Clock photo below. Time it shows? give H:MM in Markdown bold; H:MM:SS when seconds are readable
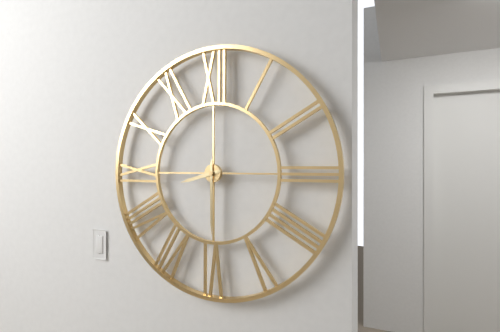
**8:30**
